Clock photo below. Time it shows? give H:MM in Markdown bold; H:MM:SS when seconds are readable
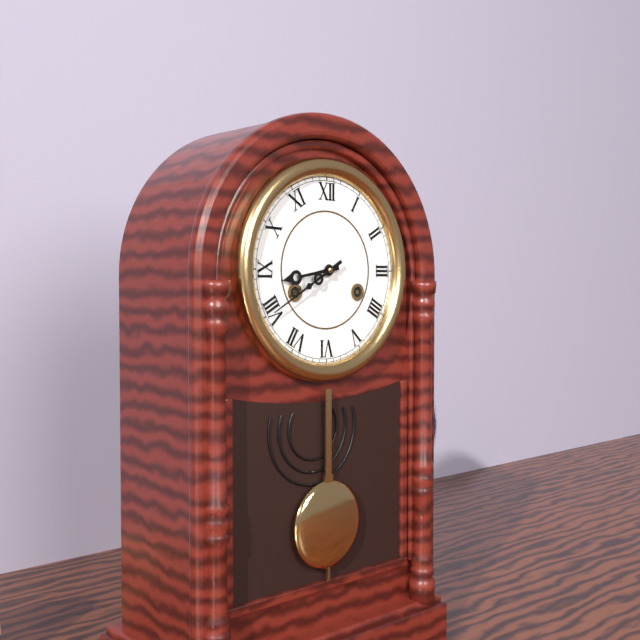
**8:40**
